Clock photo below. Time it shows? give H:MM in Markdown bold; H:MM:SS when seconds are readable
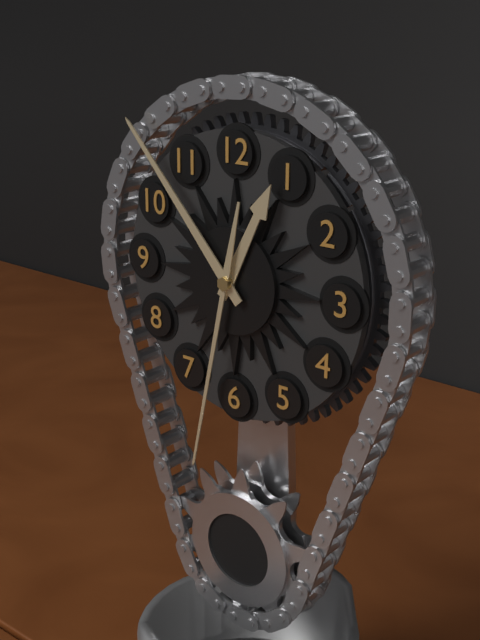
**12:53:32**
